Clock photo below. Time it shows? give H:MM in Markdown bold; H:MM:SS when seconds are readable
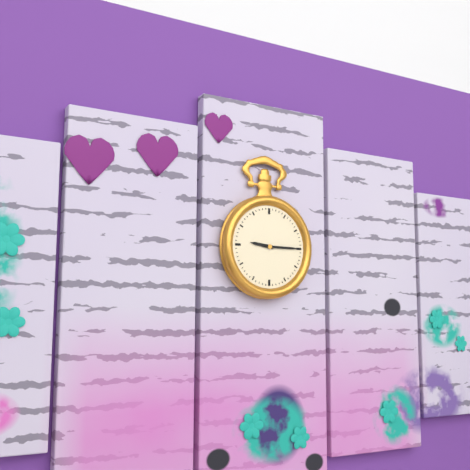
**9:15**
